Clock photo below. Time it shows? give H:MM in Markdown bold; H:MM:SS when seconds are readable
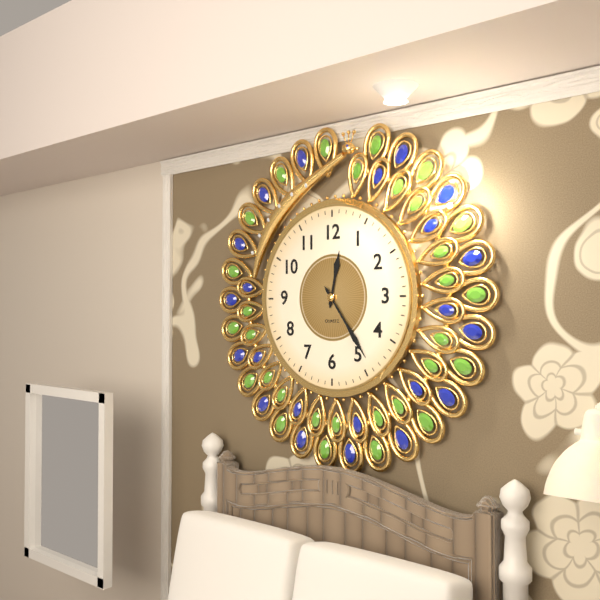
**12:24**
